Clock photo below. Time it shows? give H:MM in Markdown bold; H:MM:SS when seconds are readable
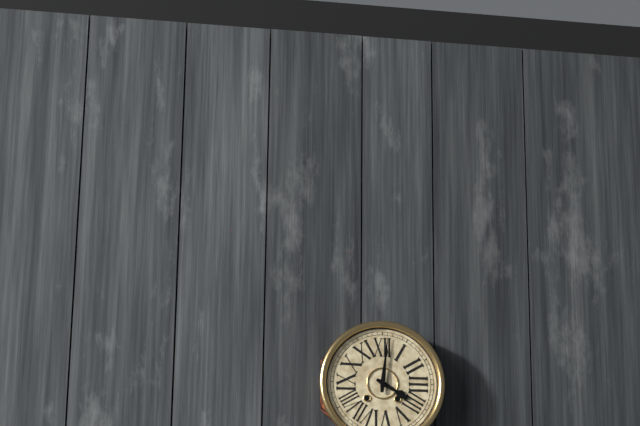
**4:01**
